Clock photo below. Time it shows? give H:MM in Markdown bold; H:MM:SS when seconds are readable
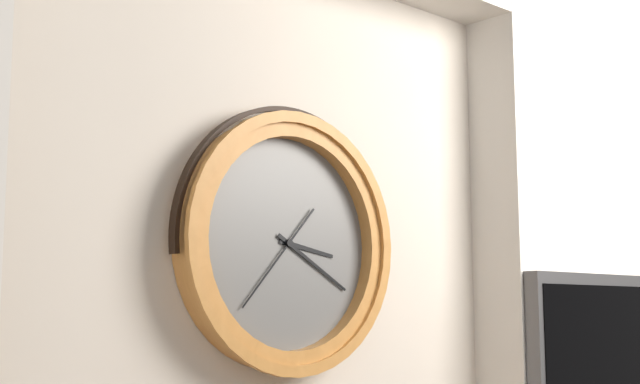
**3:20:37**
